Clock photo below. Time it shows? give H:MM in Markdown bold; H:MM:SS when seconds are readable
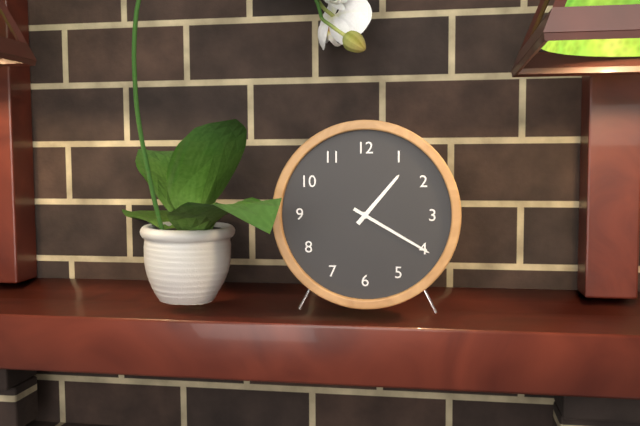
**1:20**
